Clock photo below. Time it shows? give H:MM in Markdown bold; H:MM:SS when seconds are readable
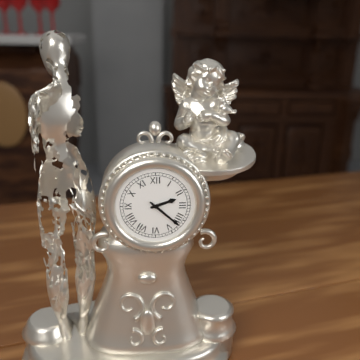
**2:22**
